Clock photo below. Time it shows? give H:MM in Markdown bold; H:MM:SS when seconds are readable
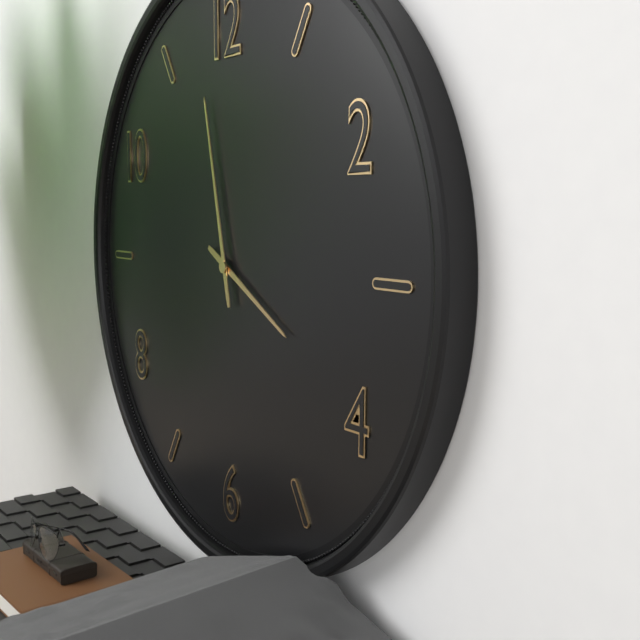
**3:58**
